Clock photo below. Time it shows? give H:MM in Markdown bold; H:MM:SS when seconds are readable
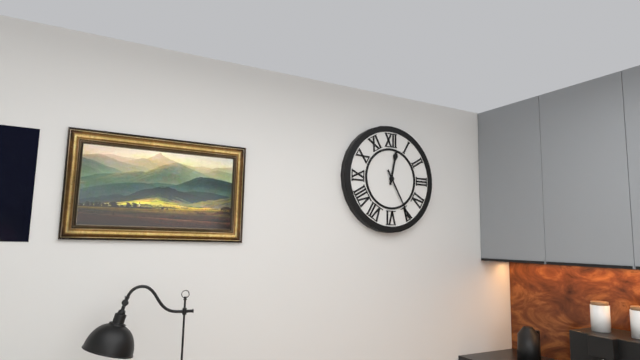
**12:25**
